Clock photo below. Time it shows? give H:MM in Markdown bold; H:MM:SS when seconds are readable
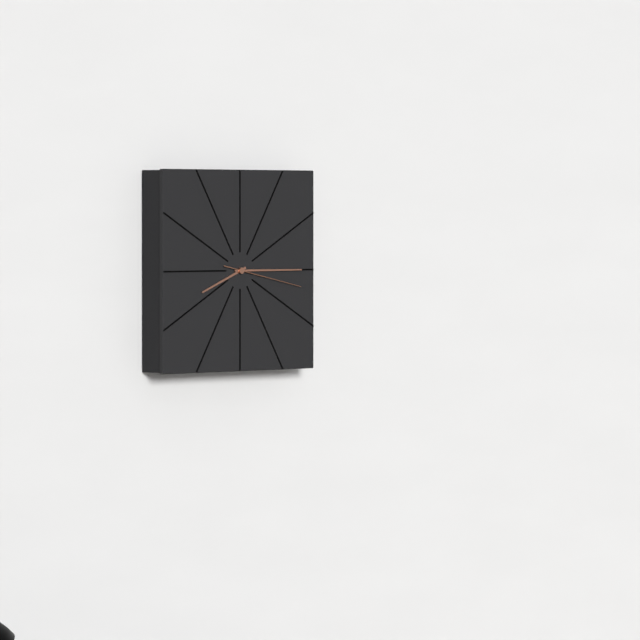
**8:15:17**
